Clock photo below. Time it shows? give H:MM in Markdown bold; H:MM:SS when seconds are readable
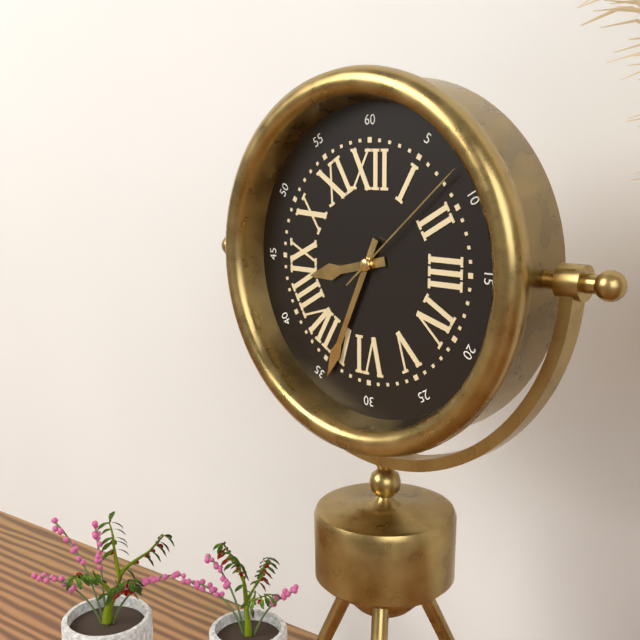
**8:34:08**
